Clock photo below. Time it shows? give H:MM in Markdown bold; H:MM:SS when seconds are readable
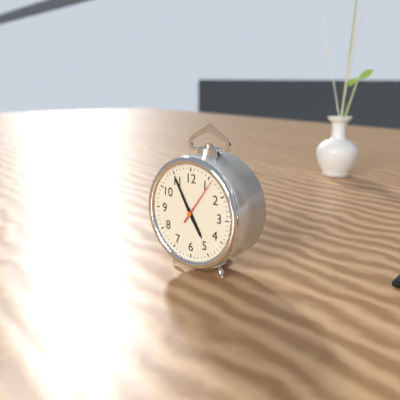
**4:55**
